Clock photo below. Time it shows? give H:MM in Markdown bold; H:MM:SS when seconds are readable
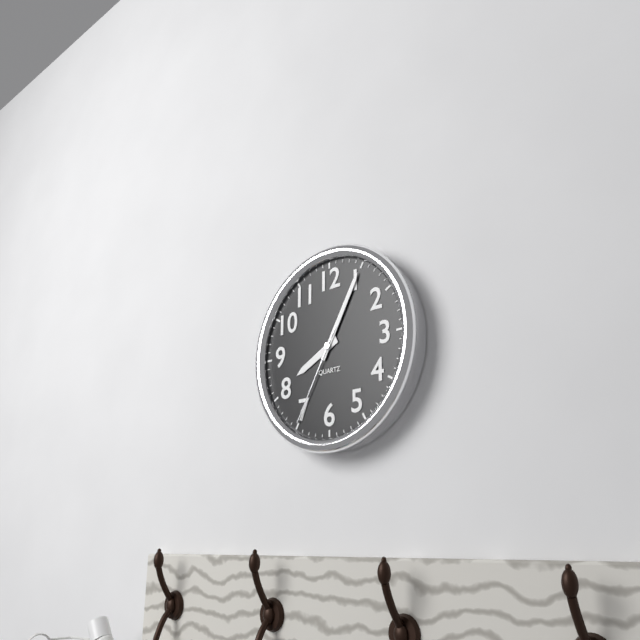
**8:05:35**
